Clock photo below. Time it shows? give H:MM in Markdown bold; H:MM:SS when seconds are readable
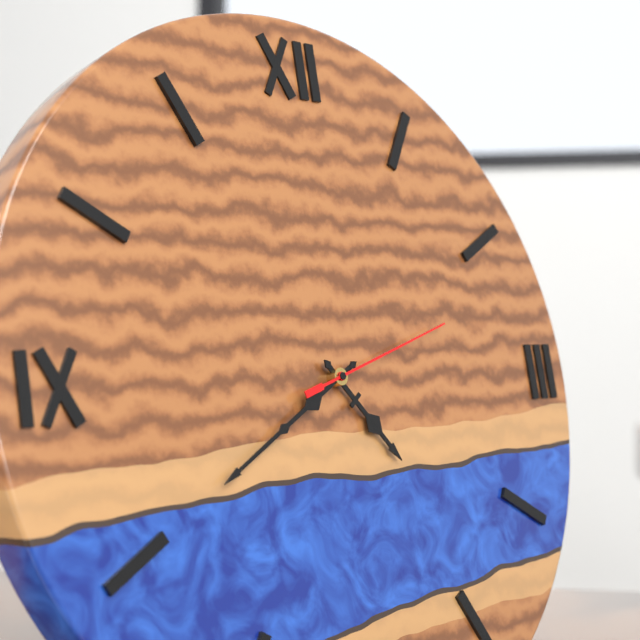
**4:40:12**
